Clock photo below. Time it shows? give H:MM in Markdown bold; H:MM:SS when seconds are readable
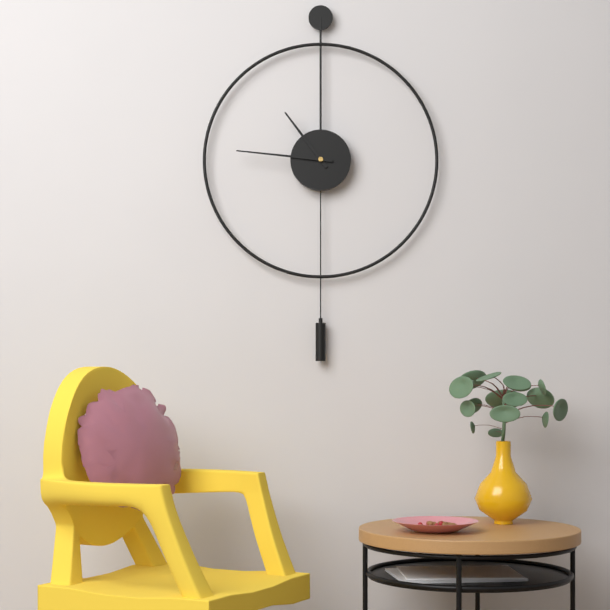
**10:46**
